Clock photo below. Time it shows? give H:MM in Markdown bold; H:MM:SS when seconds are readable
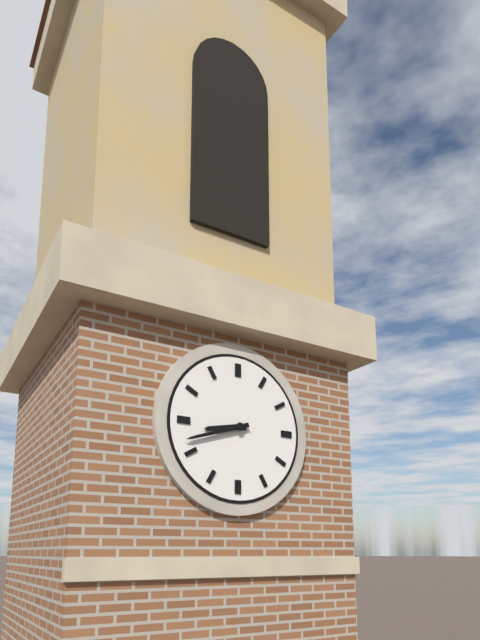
**8:42**
